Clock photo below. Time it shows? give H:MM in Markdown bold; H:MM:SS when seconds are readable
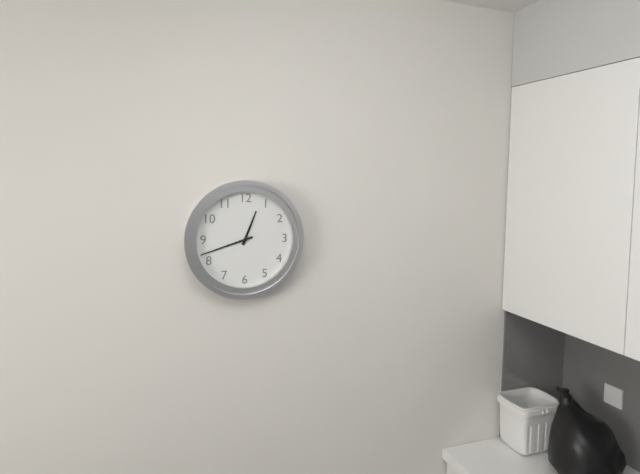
**12:42**
